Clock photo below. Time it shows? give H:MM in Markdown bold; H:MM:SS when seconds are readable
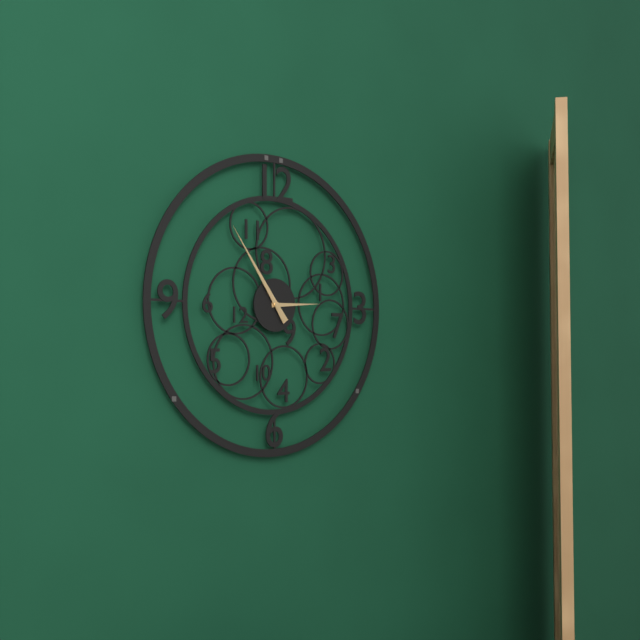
**2:54**
